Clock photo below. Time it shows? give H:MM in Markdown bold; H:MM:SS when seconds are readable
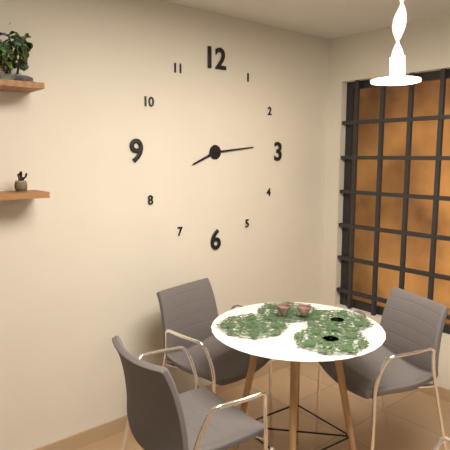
**8:14**
